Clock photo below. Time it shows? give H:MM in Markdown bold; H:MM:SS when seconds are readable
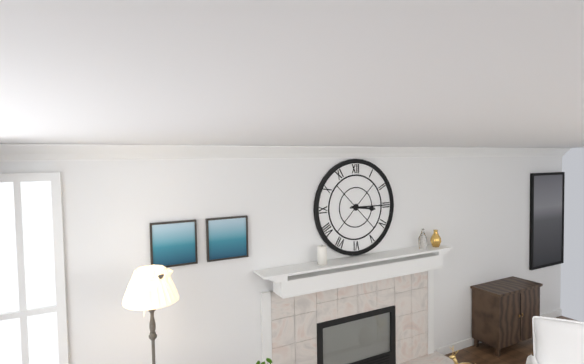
**3:15**
